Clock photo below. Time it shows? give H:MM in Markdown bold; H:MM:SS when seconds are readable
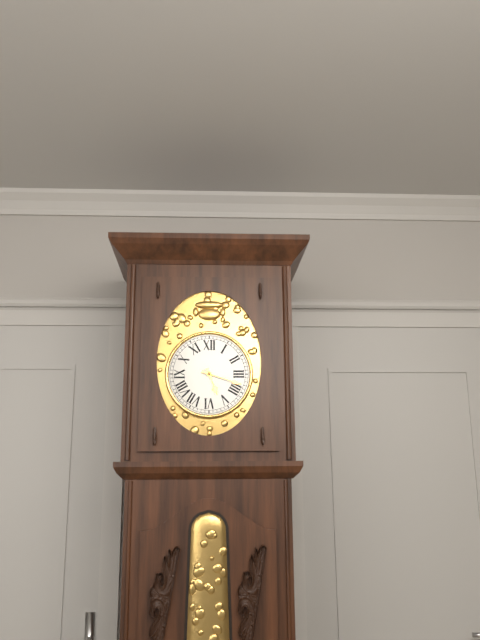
**5:18**
